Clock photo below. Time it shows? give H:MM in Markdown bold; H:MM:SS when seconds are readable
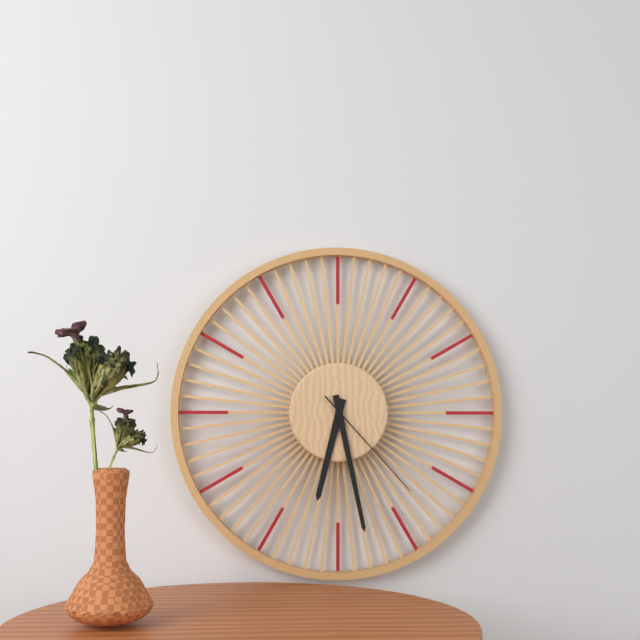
**6:28:23**
